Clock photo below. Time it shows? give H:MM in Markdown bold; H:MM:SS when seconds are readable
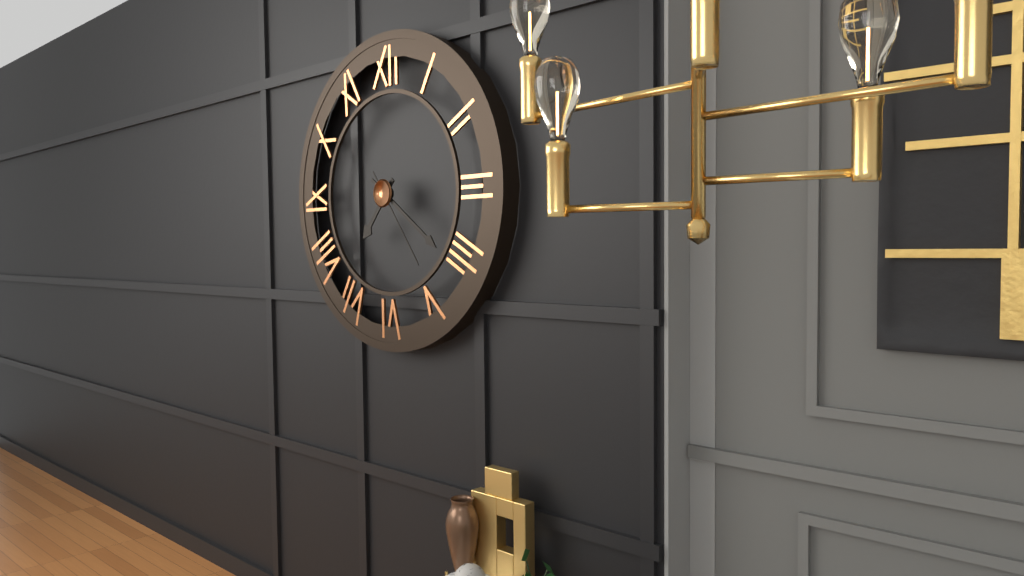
**7:21:24**
